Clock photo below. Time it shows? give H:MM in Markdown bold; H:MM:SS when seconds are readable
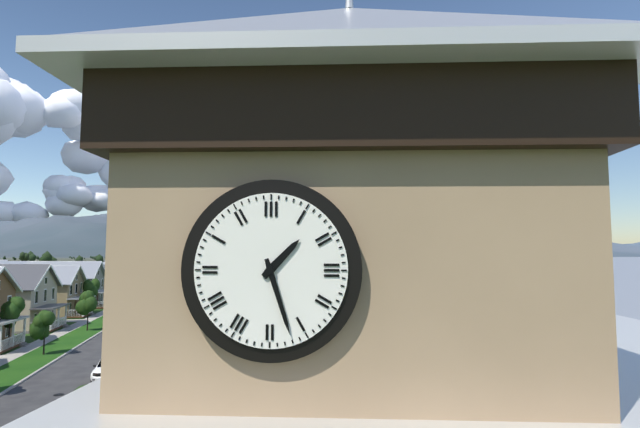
**1:27**
